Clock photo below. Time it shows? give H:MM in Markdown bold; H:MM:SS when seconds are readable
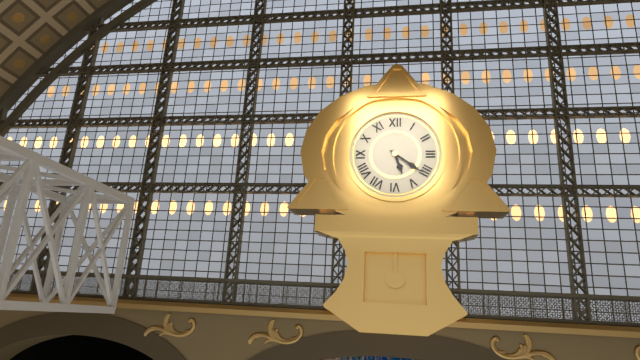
**5:21**
